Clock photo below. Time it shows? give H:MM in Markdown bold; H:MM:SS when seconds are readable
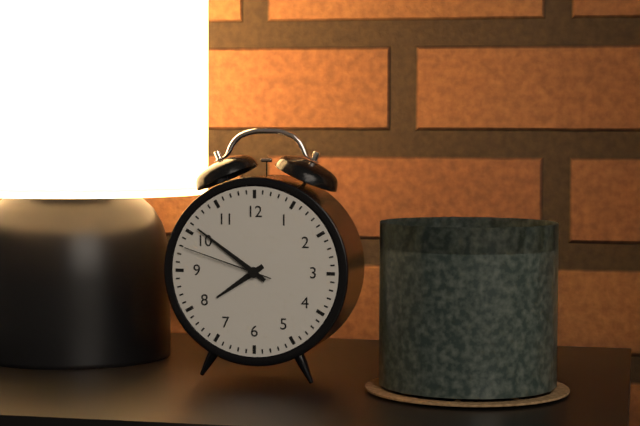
**7:51:48**
